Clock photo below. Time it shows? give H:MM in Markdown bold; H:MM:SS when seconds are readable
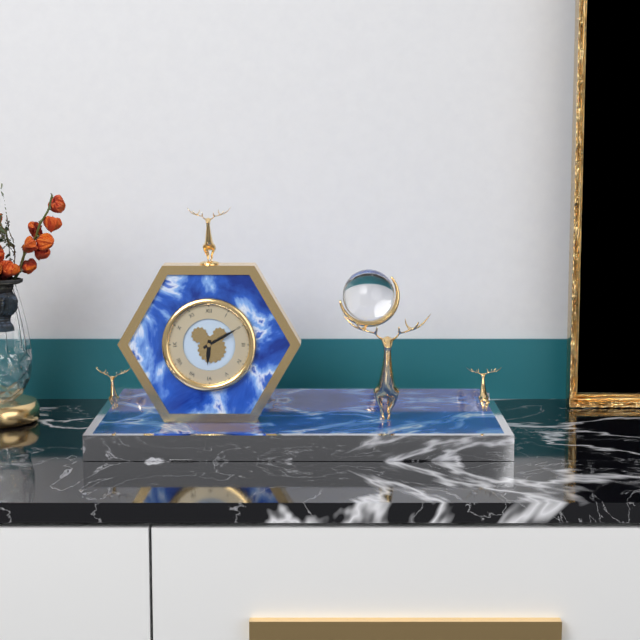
**6:10**
